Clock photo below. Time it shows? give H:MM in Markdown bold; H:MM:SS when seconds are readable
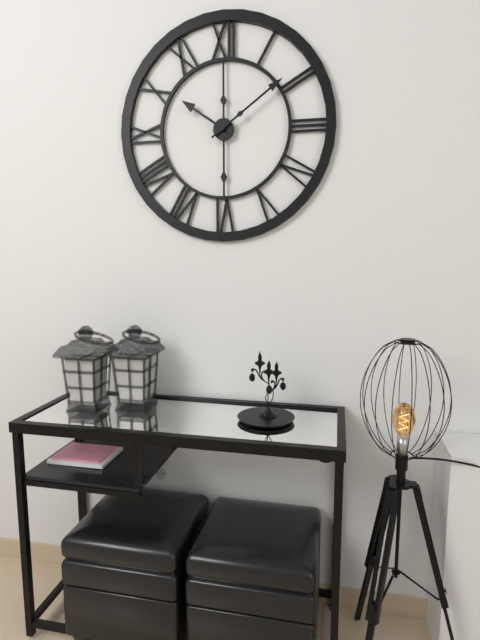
**10:09**
